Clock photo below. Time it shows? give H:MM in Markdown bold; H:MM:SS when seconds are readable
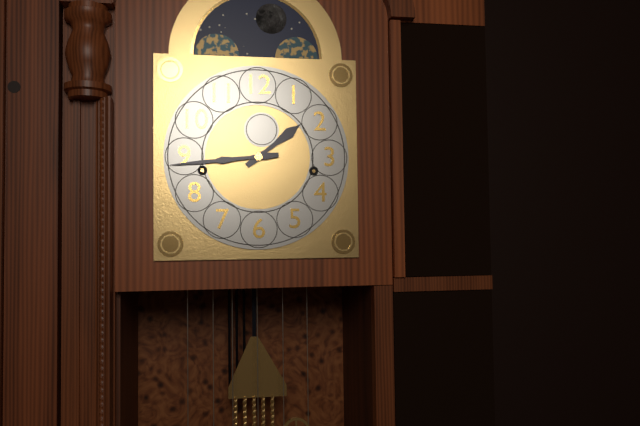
**1:44**
